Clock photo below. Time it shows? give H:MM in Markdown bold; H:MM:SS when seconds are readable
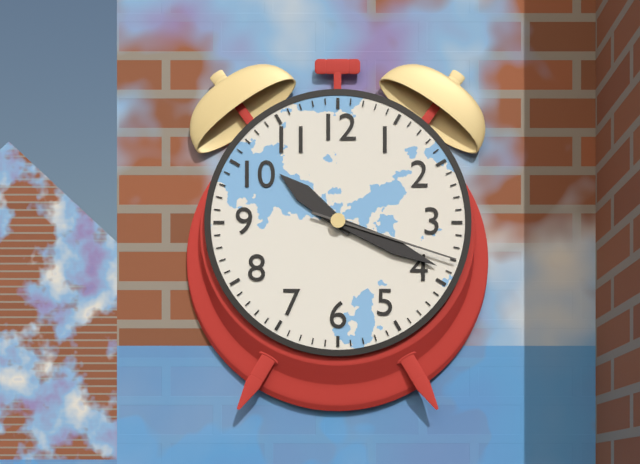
**10:19:18**
